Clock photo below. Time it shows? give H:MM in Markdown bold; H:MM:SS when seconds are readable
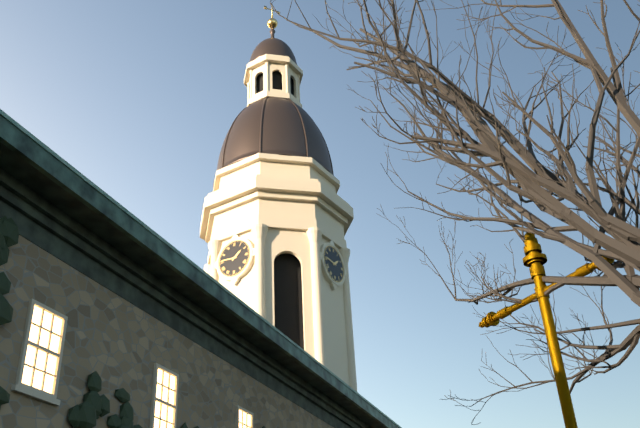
**1:46**
